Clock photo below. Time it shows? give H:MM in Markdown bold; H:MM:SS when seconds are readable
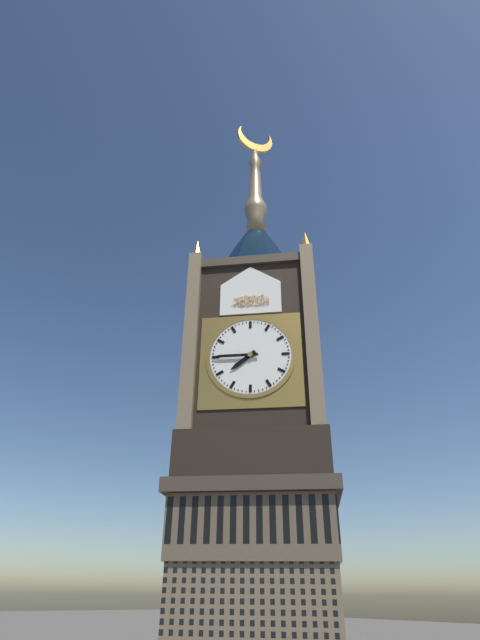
**7:45**
